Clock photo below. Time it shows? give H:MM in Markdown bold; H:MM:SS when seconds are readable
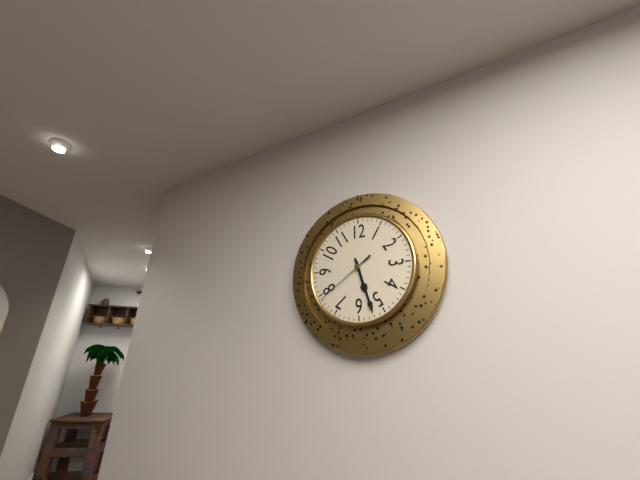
**5:27:39**
